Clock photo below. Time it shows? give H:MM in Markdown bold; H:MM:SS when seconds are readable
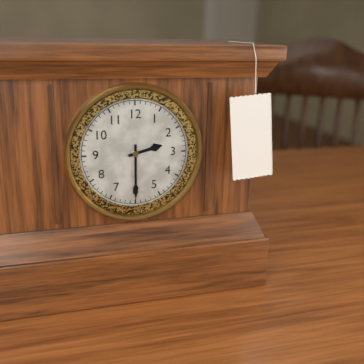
**2:30**
